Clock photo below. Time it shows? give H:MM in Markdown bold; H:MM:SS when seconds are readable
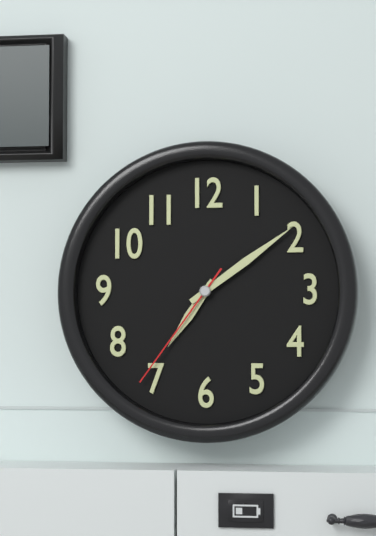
**7:09:36**
